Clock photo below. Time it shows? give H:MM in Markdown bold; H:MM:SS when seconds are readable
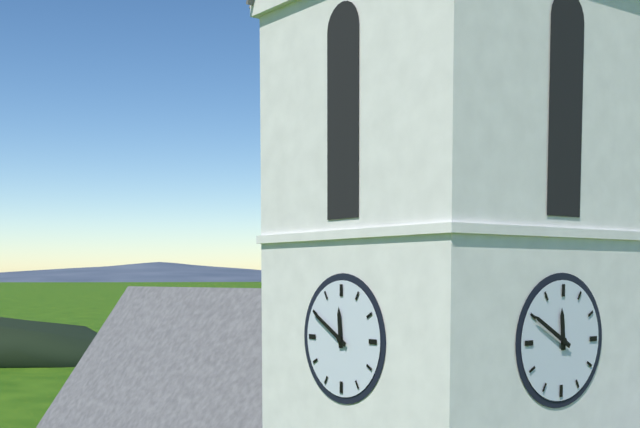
**11:50**
